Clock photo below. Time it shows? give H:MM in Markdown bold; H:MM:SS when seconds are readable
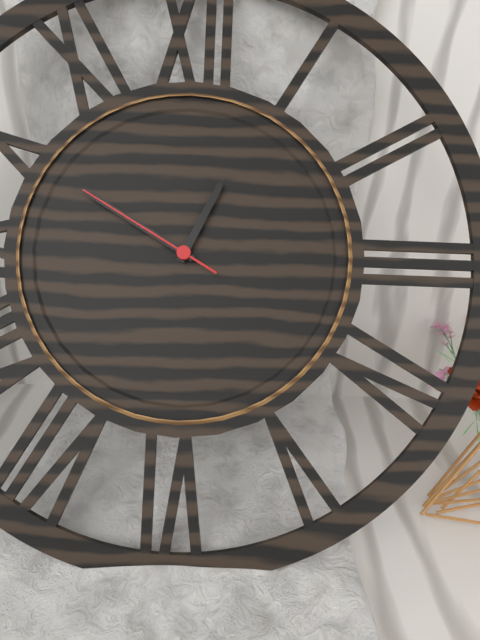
**12:50:50**
